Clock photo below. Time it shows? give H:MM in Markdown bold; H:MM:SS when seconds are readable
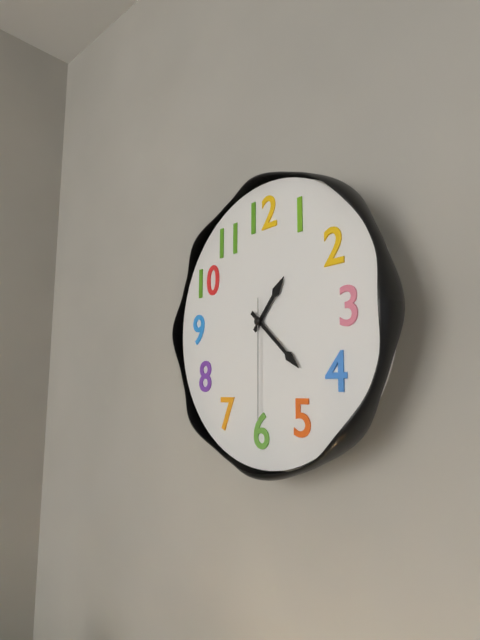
**1:22:30**
